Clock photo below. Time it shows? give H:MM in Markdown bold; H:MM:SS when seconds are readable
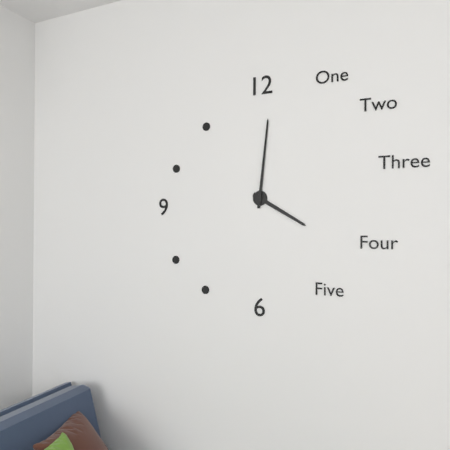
**4:01**
